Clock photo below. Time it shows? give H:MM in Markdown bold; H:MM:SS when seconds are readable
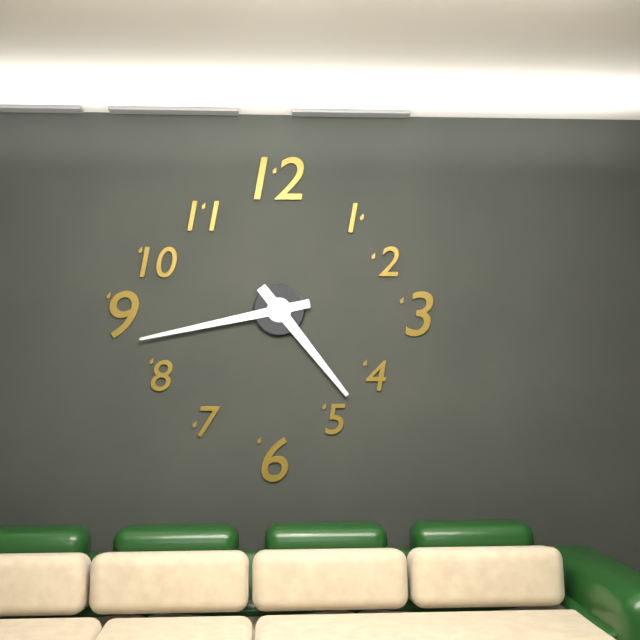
**4:43**
